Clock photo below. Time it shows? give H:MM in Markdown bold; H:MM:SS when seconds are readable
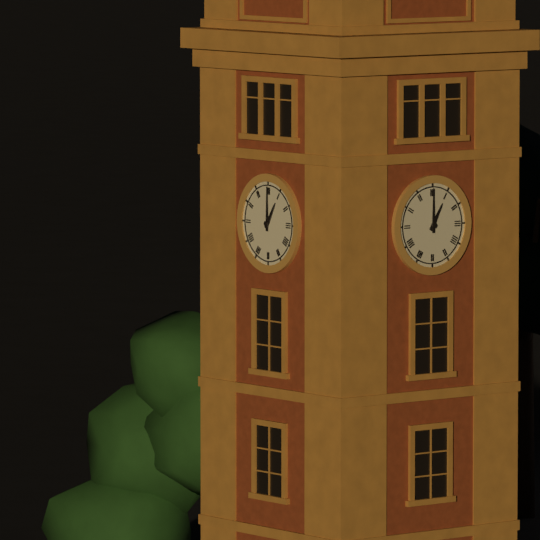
**1:00**
